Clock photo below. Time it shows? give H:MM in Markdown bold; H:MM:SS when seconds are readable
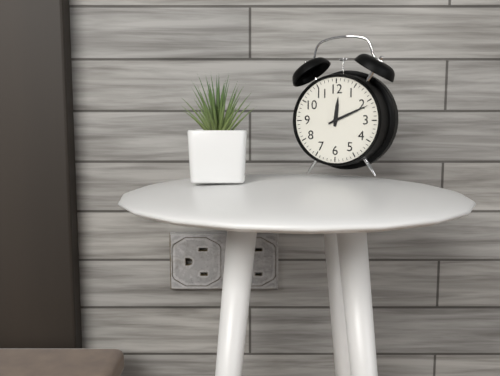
**12:11**
